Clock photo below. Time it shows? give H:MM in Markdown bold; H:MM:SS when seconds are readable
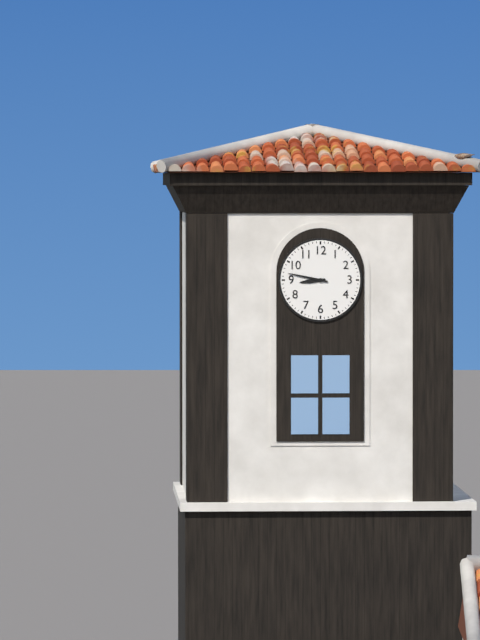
**8:47**
